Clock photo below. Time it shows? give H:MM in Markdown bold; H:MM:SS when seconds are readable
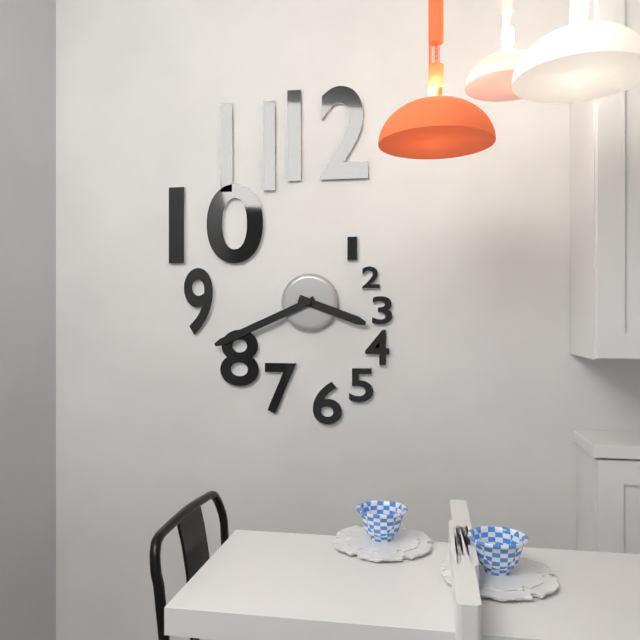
**3:41**
